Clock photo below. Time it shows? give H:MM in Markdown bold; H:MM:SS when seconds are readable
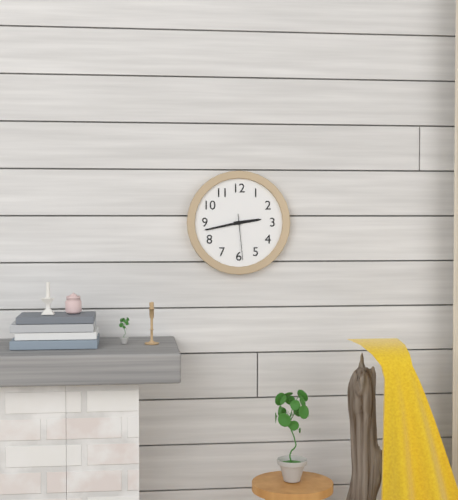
**2:43**
